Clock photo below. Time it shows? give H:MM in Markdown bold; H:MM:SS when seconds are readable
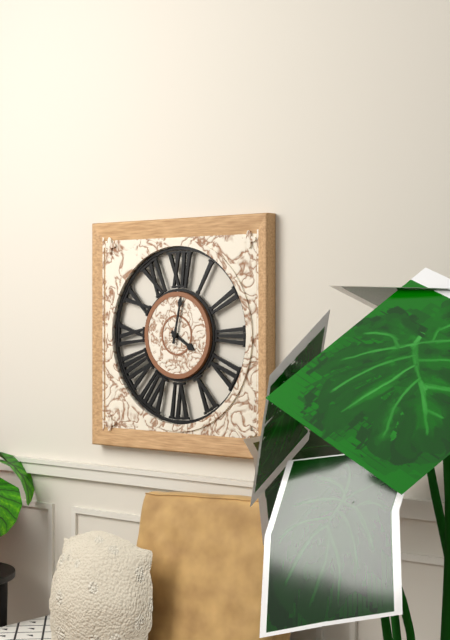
**4:02**
